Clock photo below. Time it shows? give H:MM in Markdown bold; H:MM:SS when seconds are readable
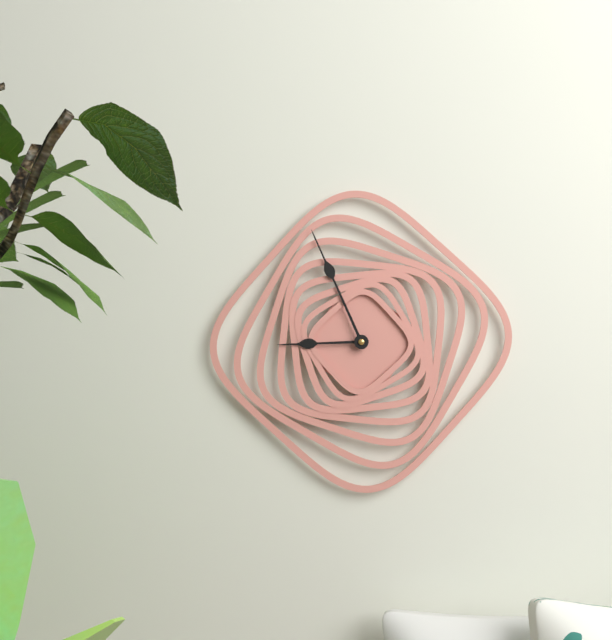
**8:56**
